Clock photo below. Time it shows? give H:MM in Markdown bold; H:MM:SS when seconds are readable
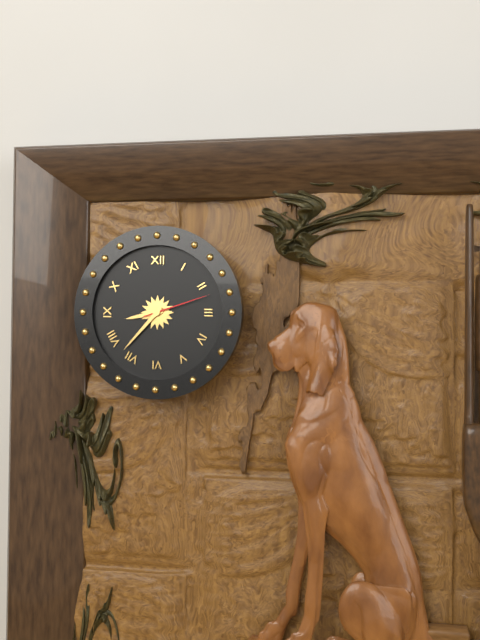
**8:37:12**
